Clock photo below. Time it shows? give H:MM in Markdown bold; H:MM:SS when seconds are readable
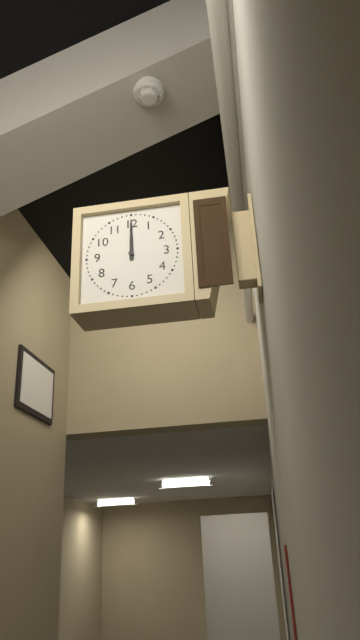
**12:00**
